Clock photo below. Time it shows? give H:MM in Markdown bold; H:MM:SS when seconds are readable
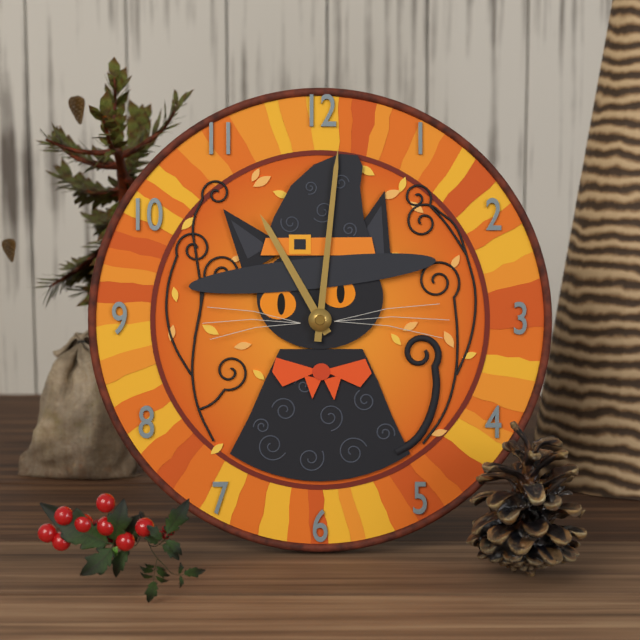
**11:01**
